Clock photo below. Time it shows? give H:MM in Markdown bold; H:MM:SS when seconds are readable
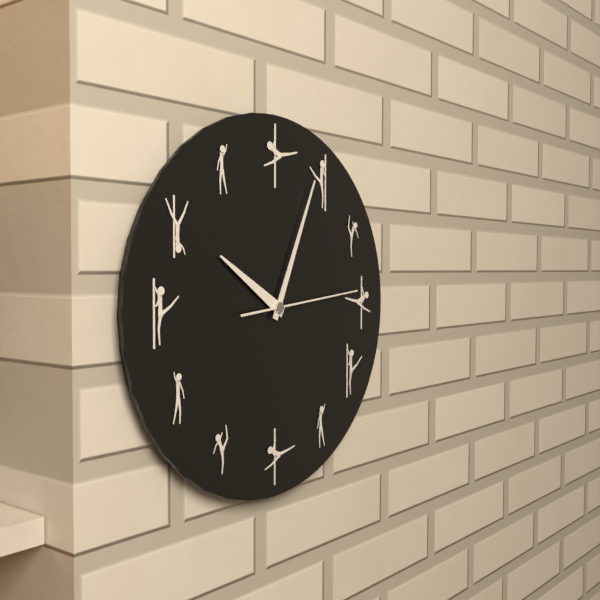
**10:04:14**
